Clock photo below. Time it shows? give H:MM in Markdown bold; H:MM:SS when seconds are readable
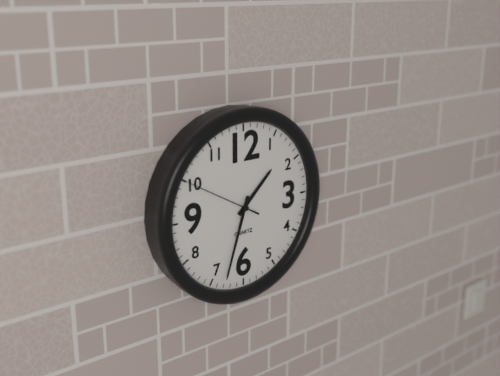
**1:33:50**
